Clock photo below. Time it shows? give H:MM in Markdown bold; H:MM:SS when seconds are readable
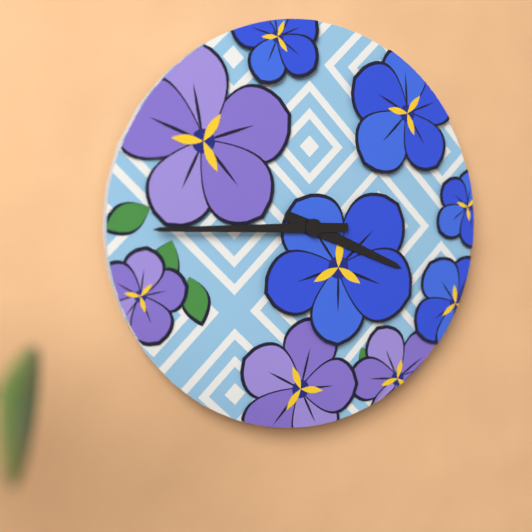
**3:45**
